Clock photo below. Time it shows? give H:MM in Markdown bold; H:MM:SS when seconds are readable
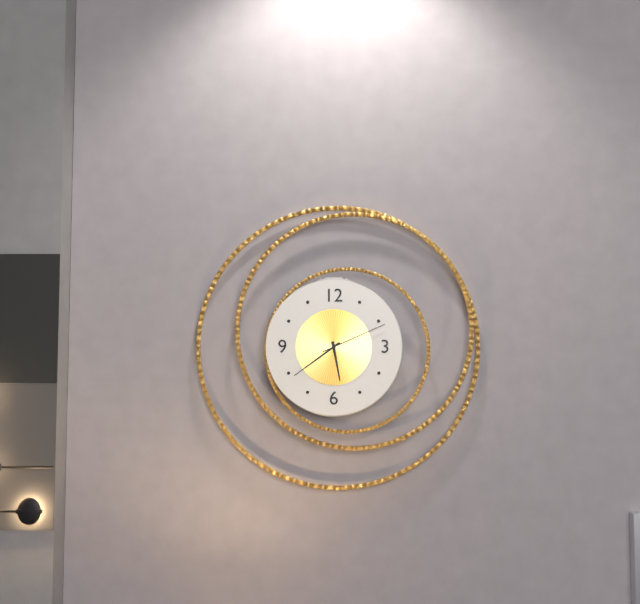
**5:39:11**
